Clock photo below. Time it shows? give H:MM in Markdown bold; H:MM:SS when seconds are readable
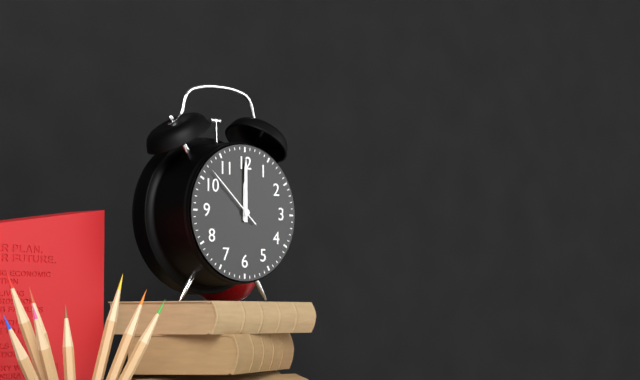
**12:00:52**
